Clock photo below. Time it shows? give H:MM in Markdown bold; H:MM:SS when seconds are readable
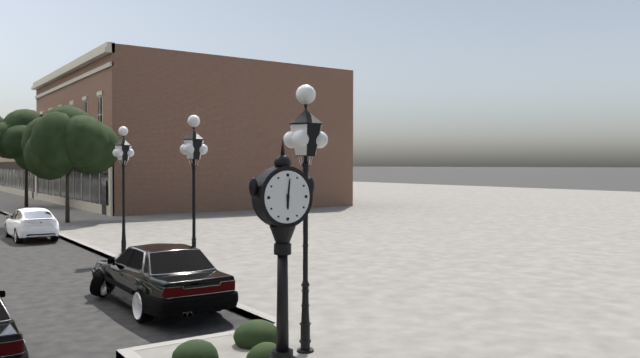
**6:01**
